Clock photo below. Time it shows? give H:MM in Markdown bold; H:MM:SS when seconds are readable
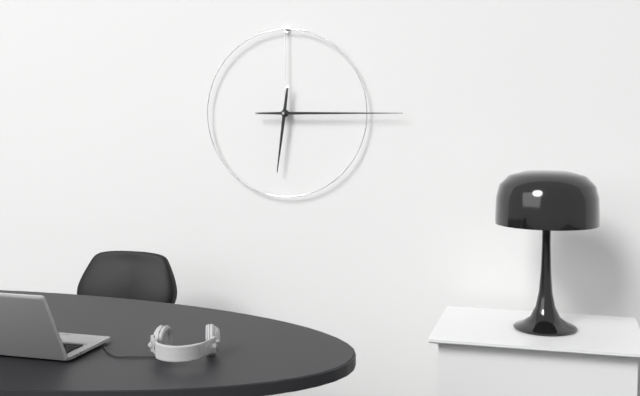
**6:15**
